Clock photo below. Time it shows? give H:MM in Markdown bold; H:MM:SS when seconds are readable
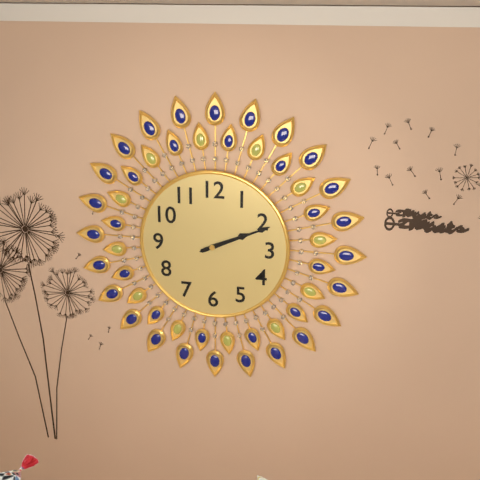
**2:11**
